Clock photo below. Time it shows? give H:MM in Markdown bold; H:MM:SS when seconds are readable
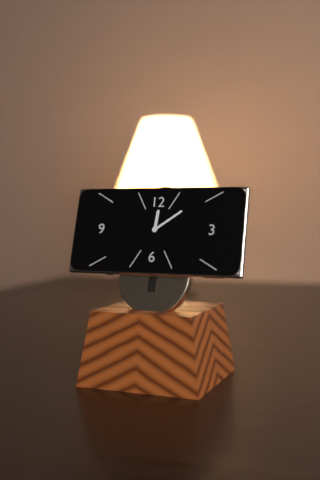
**12:09**
